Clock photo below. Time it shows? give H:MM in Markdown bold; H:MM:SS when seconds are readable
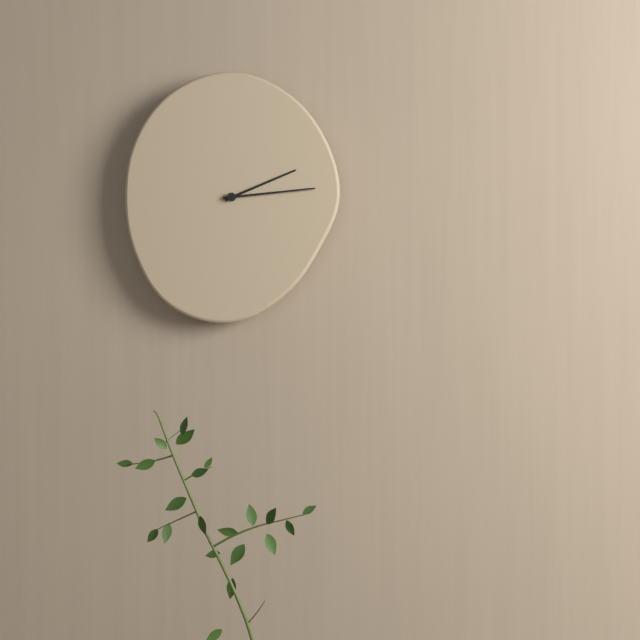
**2:14**
